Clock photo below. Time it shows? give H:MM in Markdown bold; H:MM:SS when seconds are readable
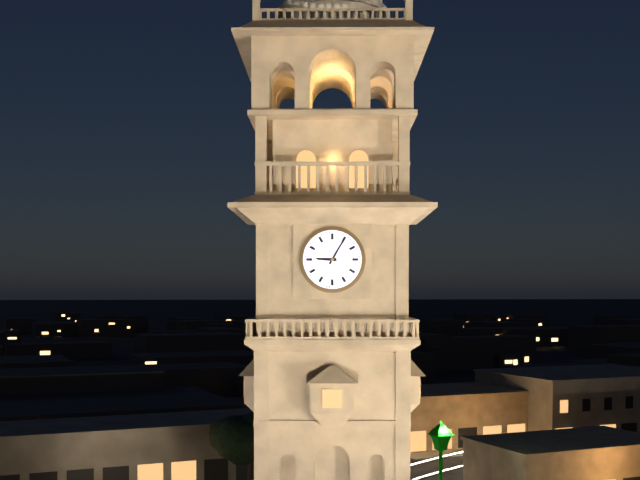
**9:05**
